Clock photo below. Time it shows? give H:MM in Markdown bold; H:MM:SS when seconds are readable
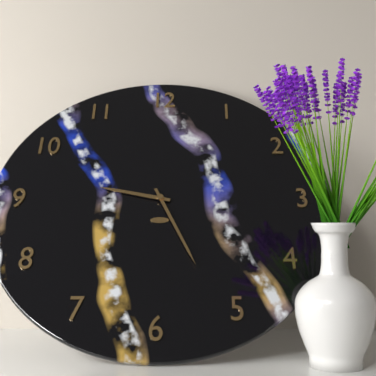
**9:26**
